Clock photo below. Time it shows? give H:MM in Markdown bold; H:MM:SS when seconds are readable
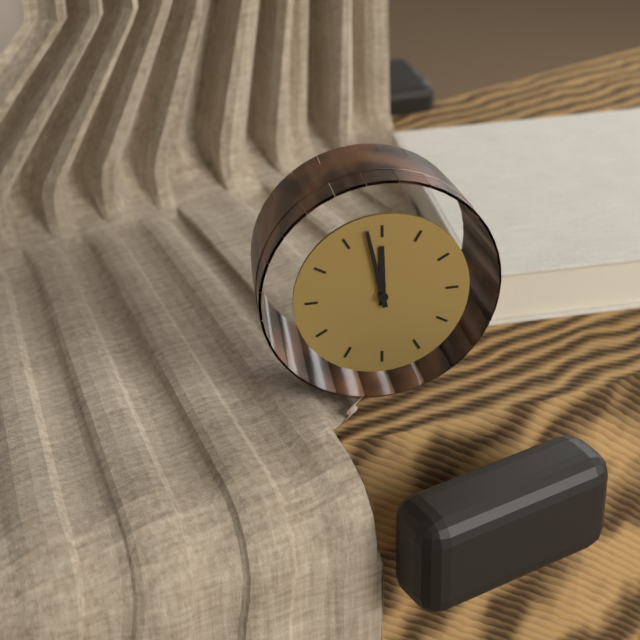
**11:58**
